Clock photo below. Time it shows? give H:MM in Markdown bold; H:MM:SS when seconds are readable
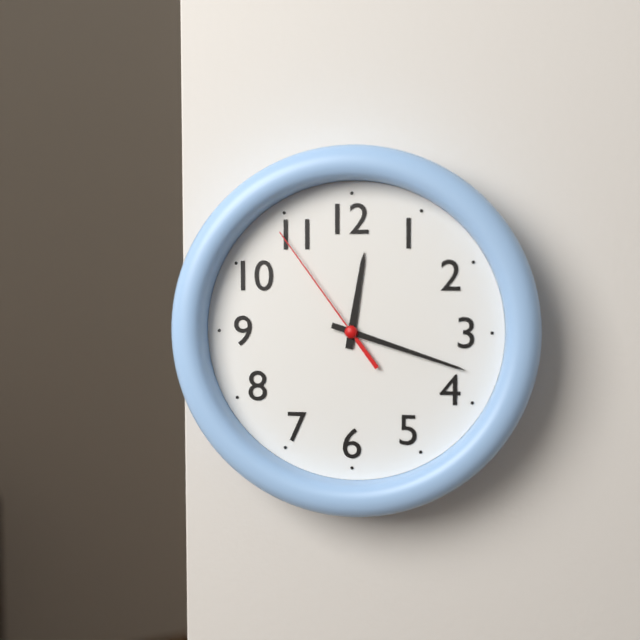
**12:18:54**
